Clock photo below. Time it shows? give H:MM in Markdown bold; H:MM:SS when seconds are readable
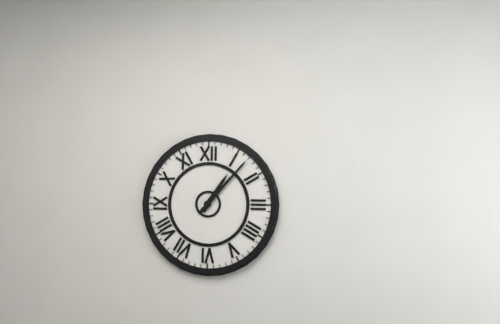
**1:07**
